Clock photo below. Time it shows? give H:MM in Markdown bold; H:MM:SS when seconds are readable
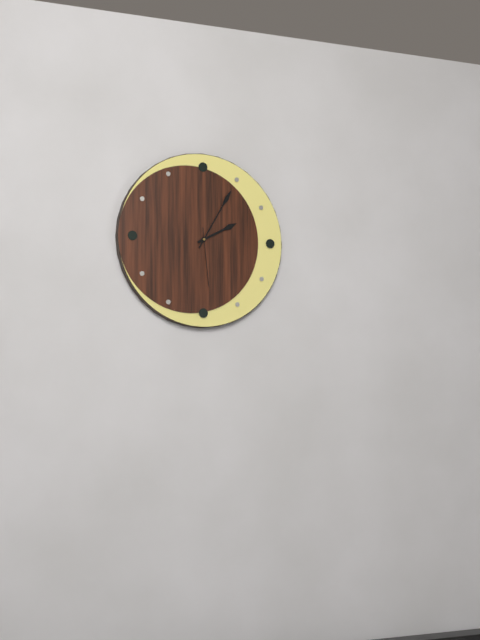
**2:05:29**
